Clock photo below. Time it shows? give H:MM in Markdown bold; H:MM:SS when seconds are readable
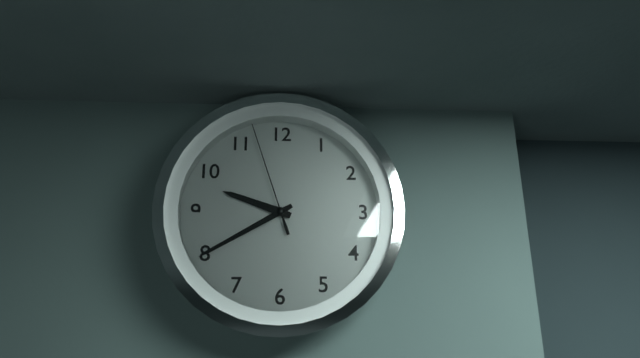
**9:40:57**
